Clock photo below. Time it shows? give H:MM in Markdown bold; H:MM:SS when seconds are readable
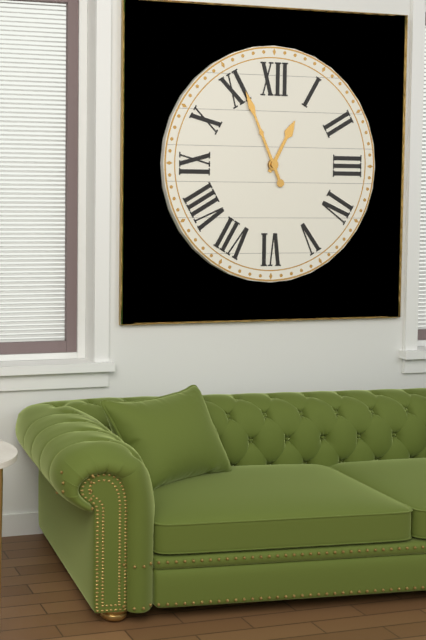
**12:56**
